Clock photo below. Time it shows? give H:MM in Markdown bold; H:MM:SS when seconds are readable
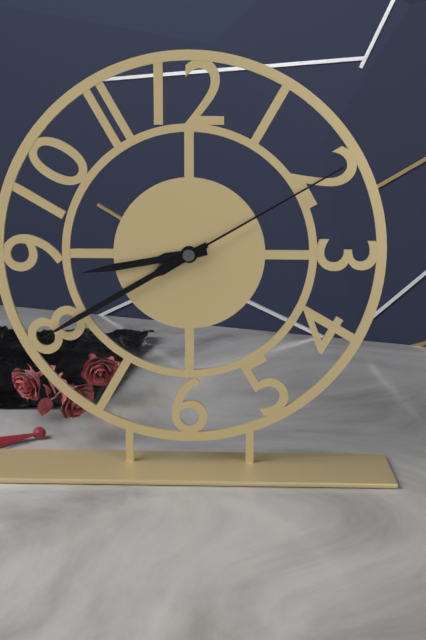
**8:40:10**
